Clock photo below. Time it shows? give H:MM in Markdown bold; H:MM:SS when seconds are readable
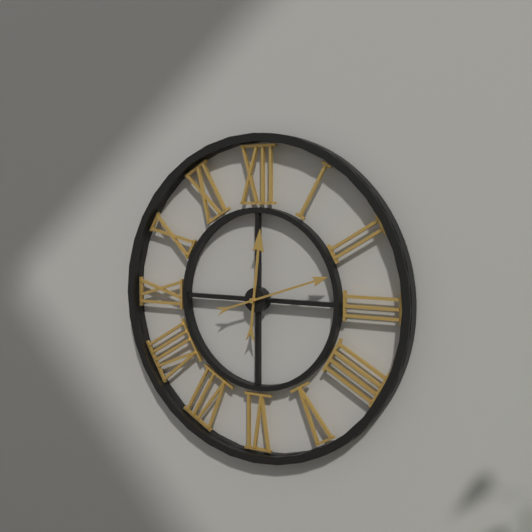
**12:12**
